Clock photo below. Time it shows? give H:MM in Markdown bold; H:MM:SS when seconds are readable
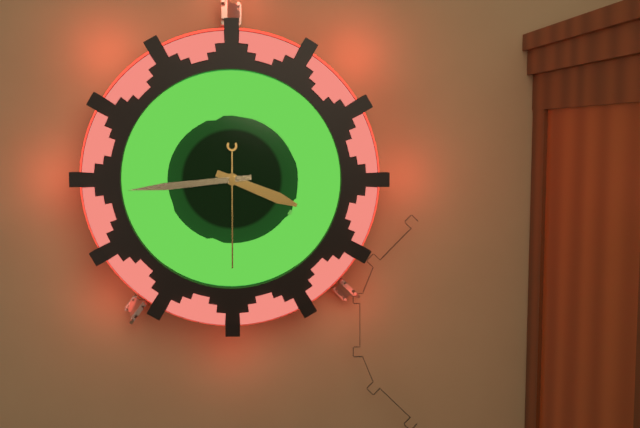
**3:44:30**
